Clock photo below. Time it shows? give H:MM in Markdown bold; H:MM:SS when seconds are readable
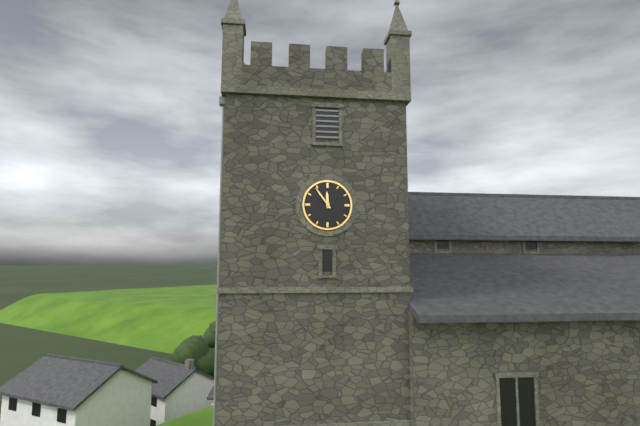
**11:54**
